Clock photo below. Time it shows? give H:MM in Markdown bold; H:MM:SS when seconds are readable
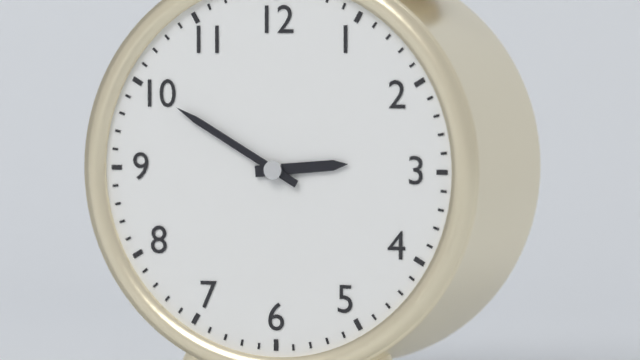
**2:50**
